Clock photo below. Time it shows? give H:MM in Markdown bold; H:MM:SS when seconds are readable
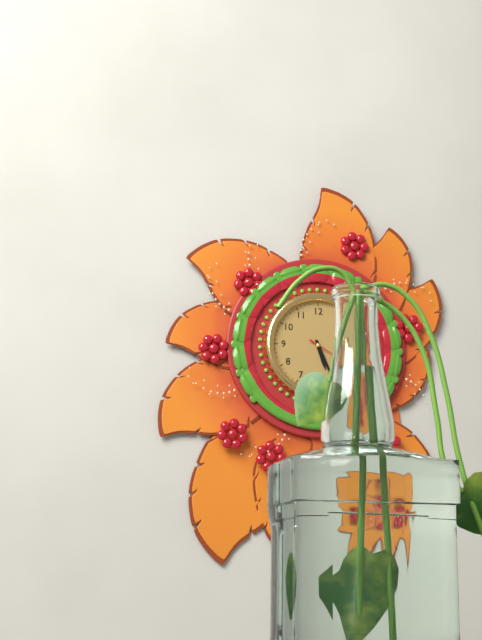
**5:26:20**
